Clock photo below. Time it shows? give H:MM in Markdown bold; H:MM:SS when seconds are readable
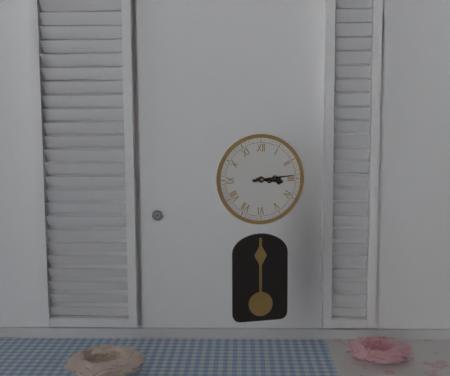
**3:14**
